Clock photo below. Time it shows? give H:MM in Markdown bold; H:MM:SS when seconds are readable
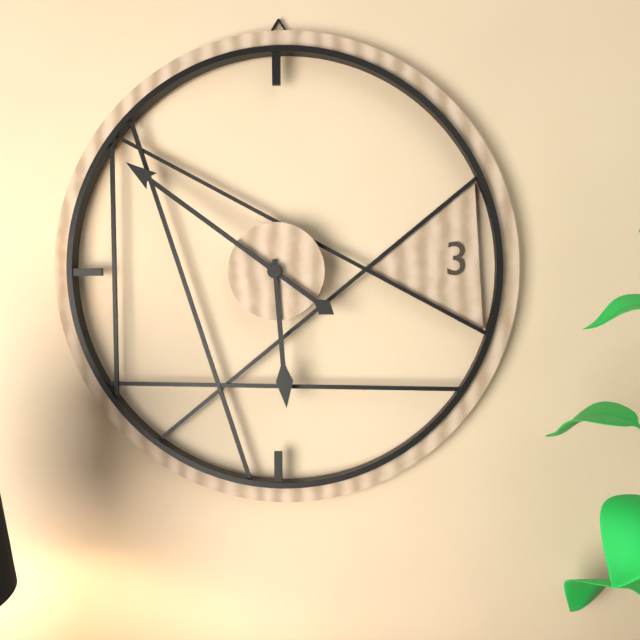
**5:51**
